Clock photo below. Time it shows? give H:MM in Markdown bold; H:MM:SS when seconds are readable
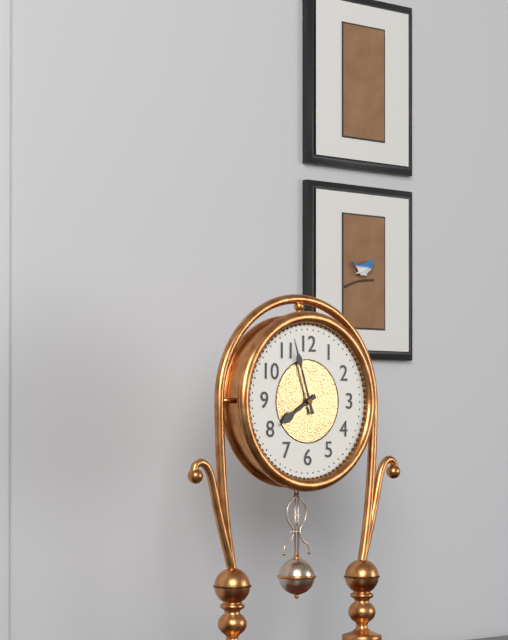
**7:57**
